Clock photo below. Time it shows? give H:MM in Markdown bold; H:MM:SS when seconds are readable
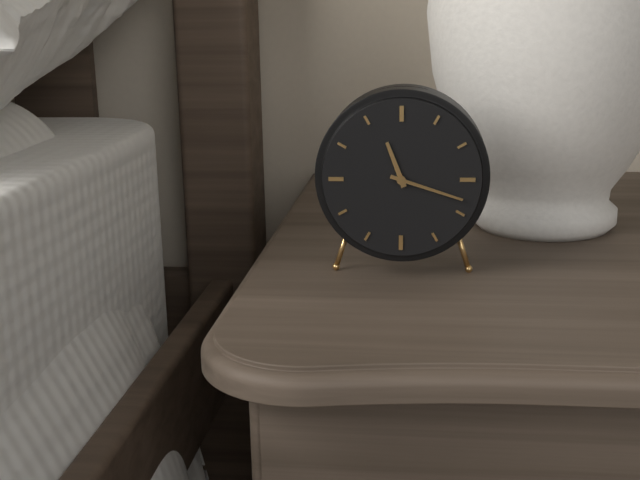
**11:18**
